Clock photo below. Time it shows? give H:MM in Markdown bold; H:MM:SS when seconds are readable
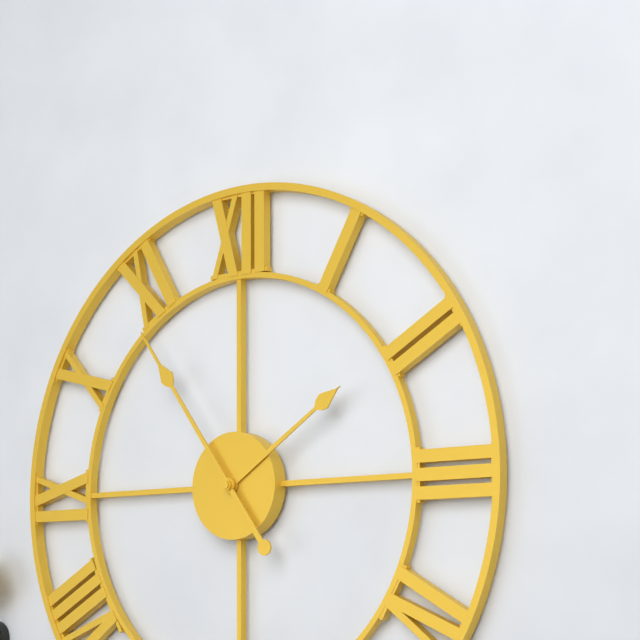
**1:54**
